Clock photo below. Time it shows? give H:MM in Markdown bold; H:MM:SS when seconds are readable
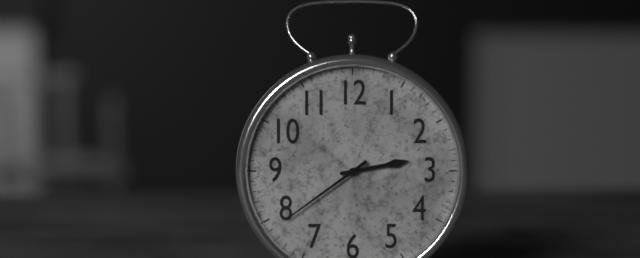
**2:39**
